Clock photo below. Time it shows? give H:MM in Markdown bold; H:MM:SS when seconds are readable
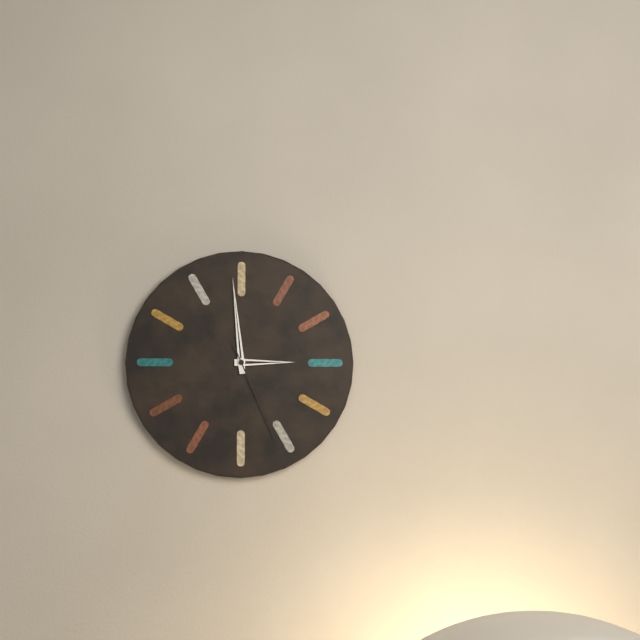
**2:59:26**
